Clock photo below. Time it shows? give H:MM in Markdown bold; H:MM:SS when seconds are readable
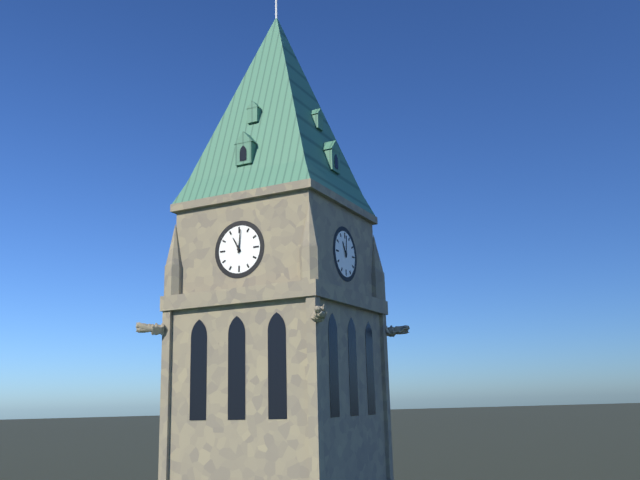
**11:01**
